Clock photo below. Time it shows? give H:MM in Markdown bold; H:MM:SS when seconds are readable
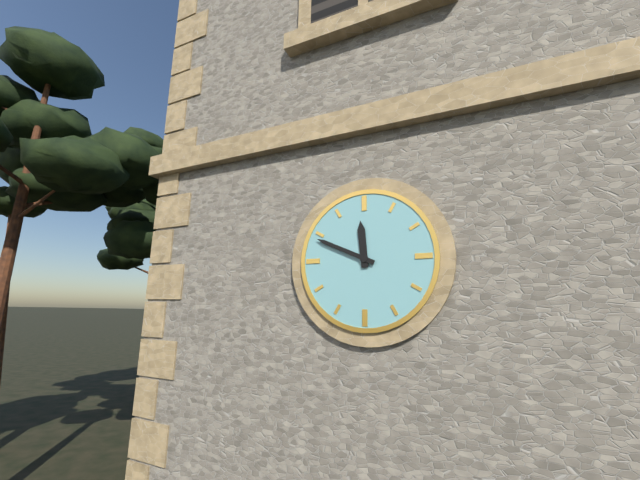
**11:49**
